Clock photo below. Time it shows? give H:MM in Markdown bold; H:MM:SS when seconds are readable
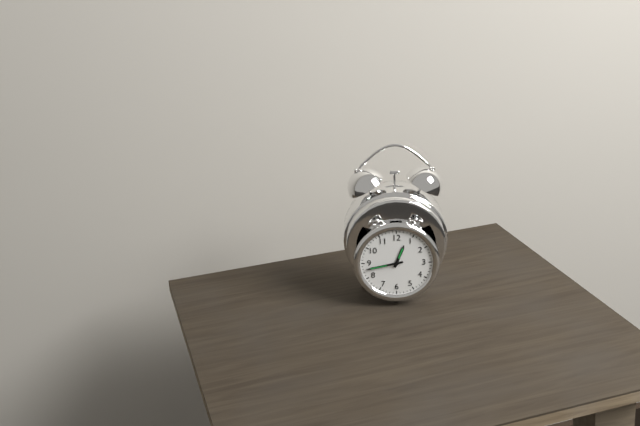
**12:43**
